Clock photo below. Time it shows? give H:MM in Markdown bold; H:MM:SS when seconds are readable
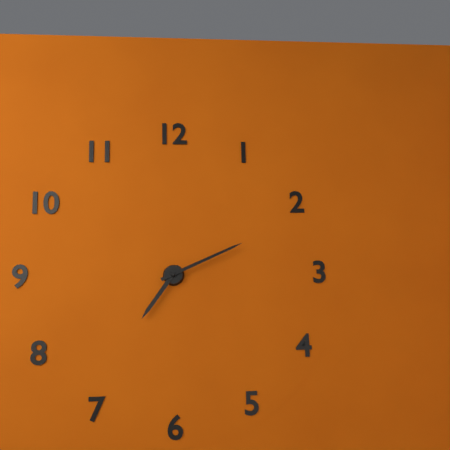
**7:11**
